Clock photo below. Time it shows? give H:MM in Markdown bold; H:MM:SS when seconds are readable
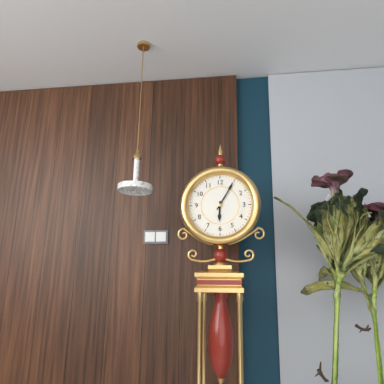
**6:05**
